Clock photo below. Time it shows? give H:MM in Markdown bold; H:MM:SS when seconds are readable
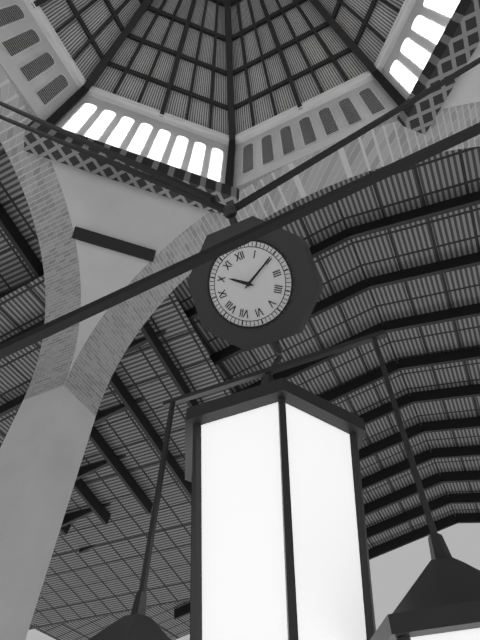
**10:10**
